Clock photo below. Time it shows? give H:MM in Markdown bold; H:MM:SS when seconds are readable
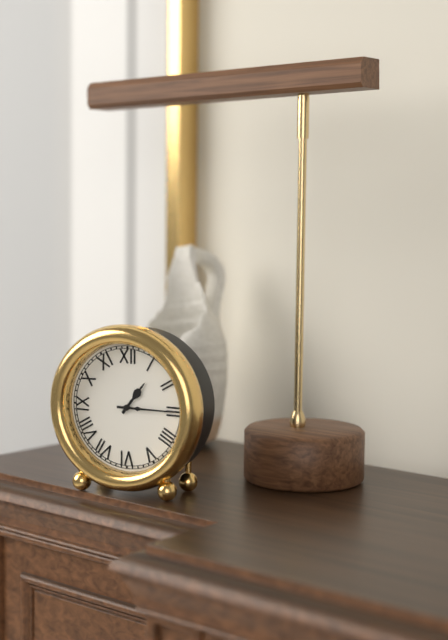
**1:15**
